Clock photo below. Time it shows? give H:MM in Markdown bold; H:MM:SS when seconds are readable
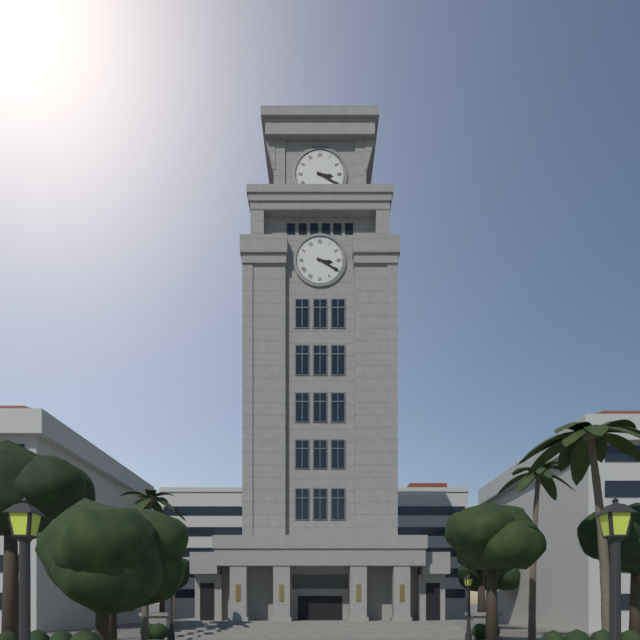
**3:20**
